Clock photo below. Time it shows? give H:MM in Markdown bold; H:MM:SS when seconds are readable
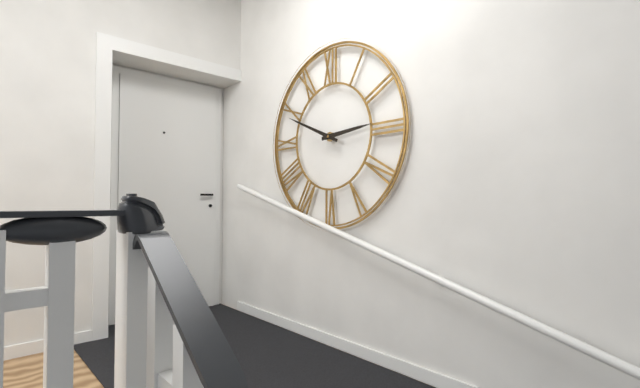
**2:49**
